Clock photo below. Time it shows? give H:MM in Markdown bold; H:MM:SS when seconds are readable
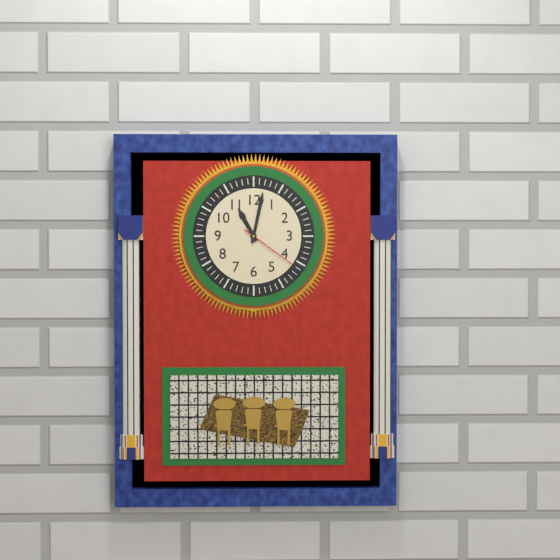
**11:02:21**
